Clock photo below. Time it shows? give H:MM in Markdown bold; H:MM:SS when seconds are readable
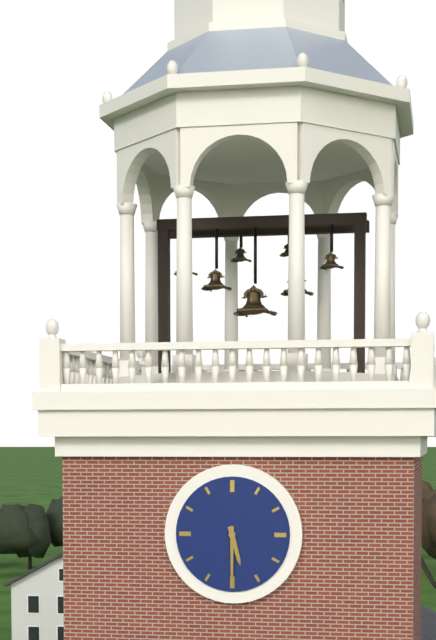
**5:30**
